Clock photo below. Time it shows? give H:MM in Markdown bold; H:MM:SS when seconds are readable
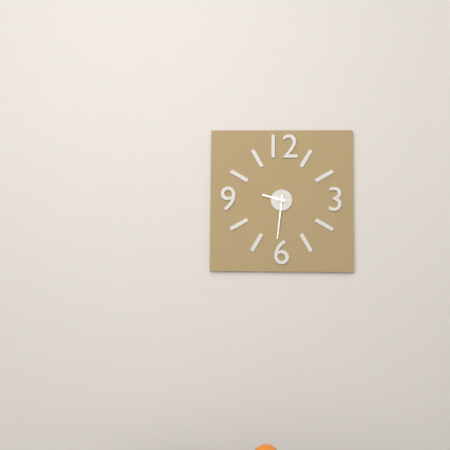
**9:31**
